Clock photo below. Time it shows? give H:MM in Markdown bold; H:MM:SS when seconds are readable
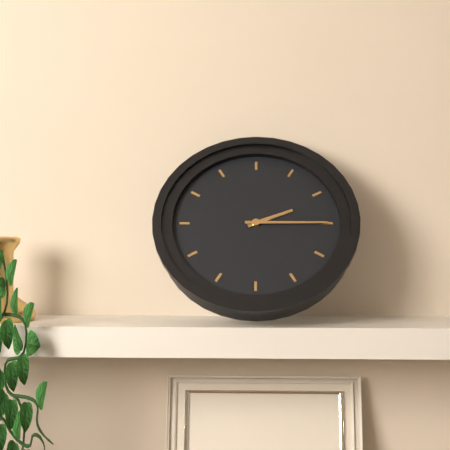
**2:15**
